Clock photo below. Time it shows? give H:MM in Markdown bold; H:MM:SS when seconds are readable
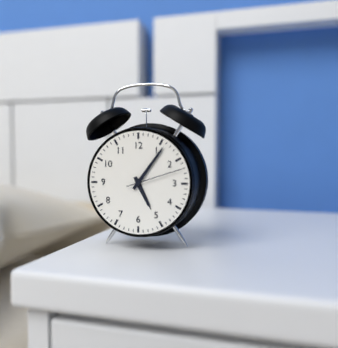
**5:06**
